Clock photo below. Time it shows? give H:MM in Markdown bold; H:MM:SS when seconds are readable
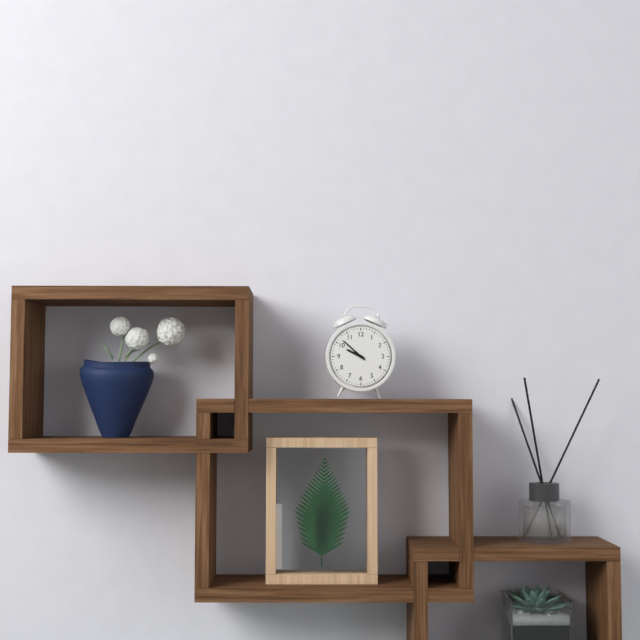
**9:52**
